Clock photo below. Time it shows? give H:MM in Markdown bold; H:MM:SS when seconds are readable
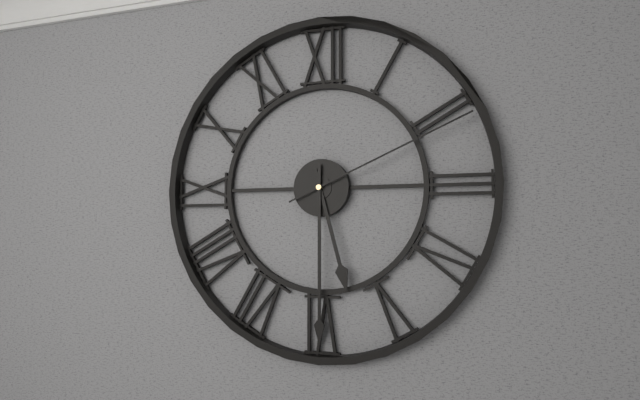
**5:30:11**
